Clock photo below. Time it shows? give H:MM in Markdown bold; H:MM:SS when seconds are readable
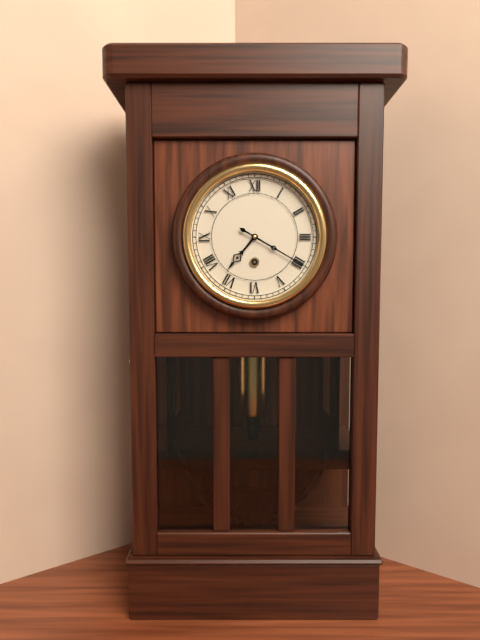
**7:20**
